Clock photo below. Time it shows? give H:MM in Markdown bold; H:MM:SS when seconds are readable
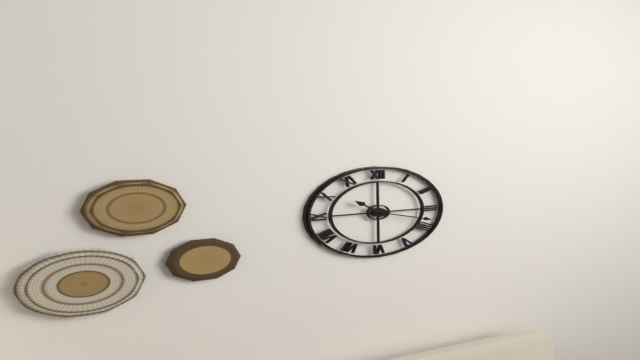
**10:18**
